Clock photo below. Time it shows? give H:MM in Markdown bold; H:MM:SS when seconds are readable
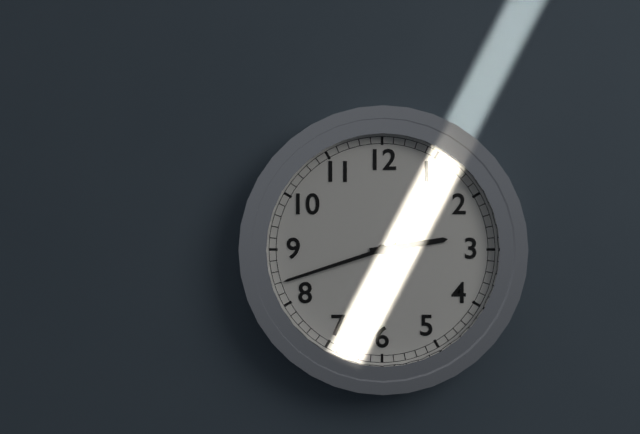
**2:42**
